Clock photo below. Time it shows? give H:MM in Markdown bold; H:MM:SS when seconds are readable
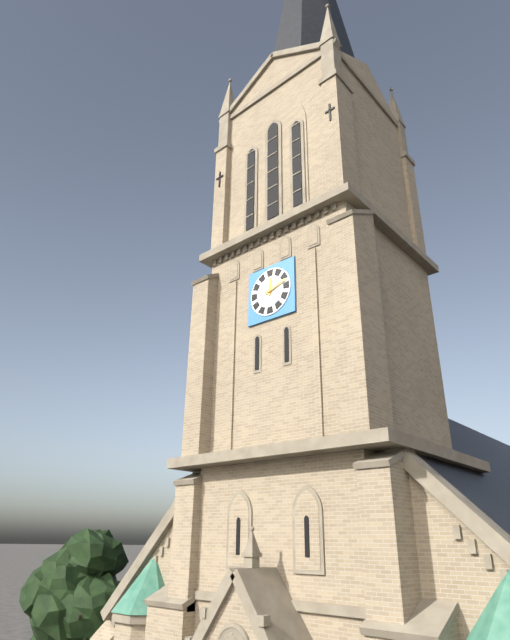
**12:12**
